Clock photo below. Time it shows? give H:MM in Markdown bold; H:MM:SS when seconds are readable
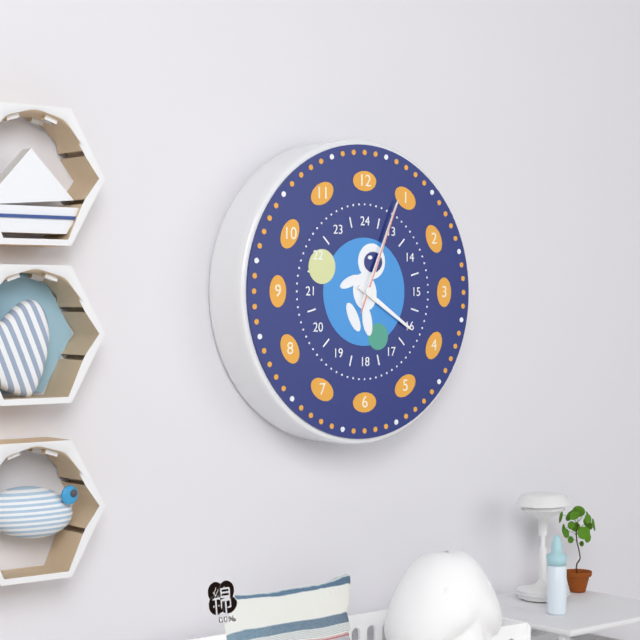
**4:04:04**
